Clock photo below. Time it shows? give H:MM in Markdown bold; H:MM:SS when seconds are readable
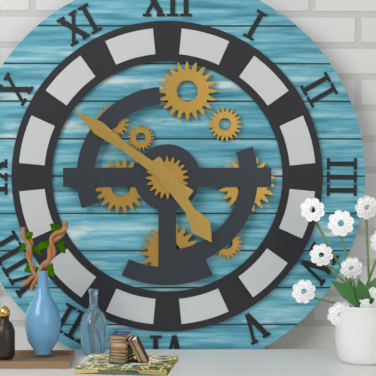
**4:51**
